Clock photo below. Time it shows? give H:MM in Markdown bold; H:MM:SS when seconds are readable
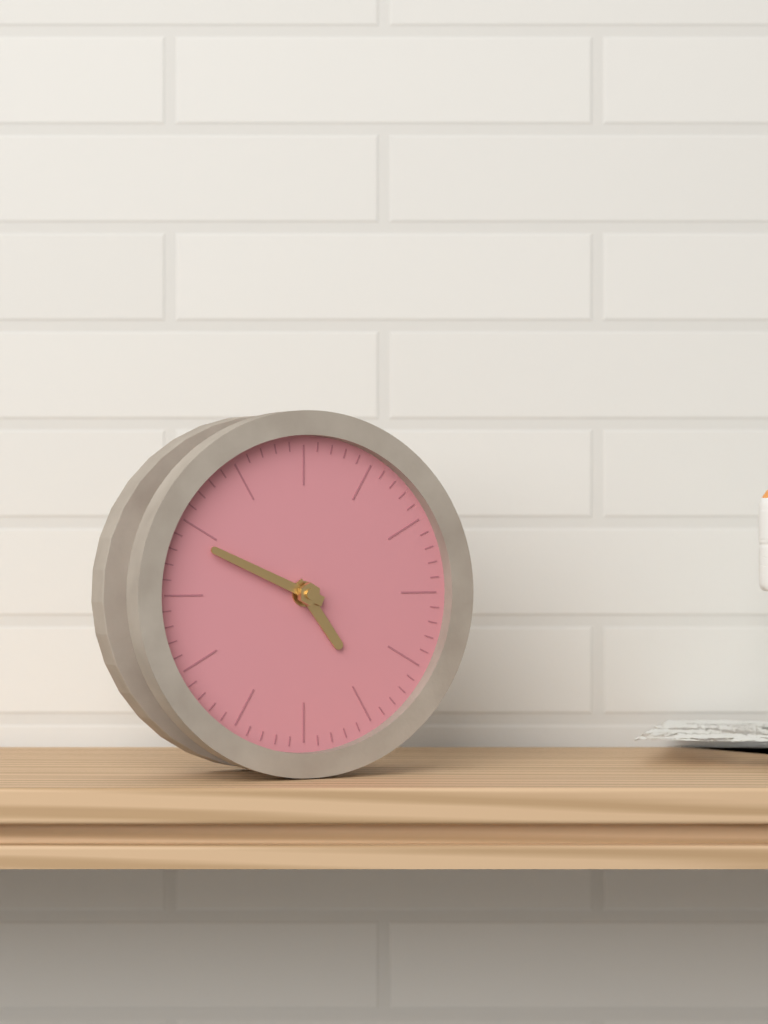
**4:49**
